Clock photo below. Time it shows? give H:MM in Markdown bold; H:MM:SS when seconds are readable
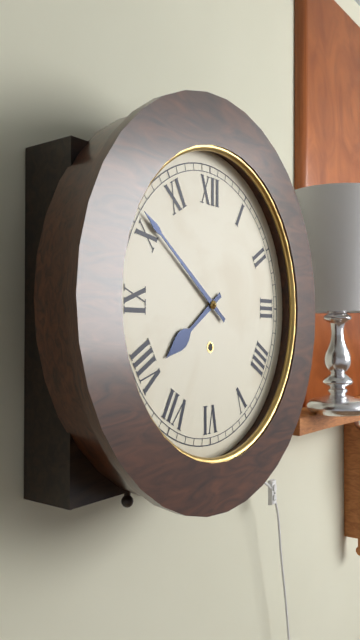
**7:51**
